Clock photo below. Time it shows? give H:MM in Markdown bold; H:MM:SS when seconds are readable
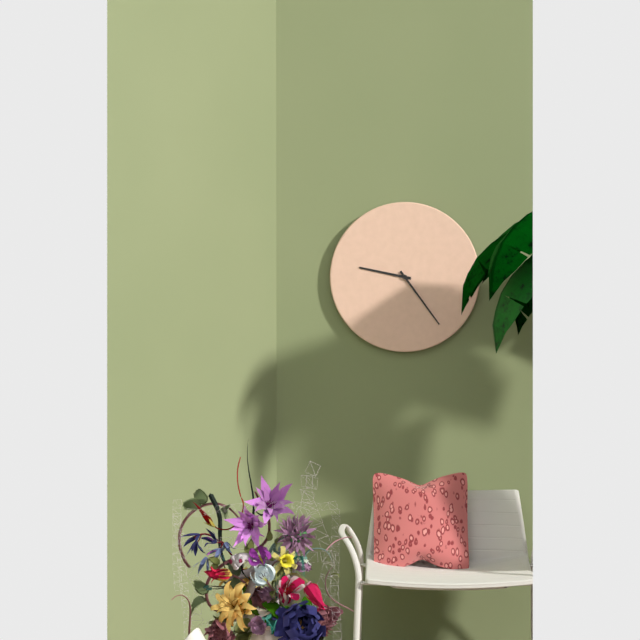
**9:24**
